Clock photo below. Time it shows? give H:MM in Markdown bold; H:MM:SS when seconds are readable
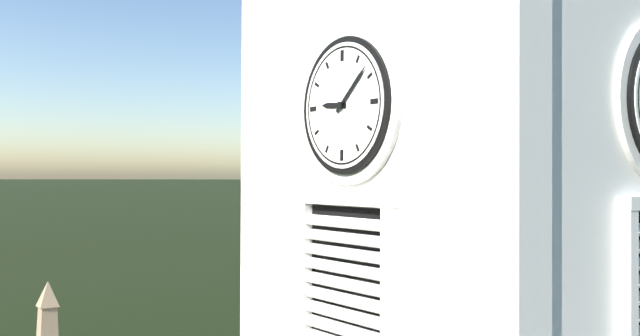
**9:08**
